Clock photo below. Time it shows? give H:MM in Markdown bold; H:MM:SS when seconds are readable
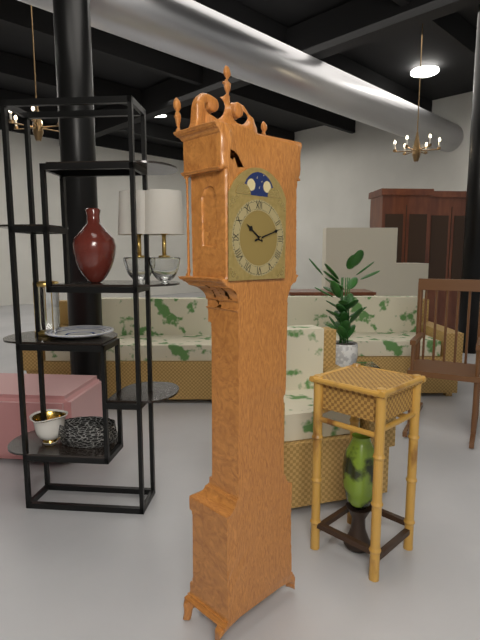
**10:12**
